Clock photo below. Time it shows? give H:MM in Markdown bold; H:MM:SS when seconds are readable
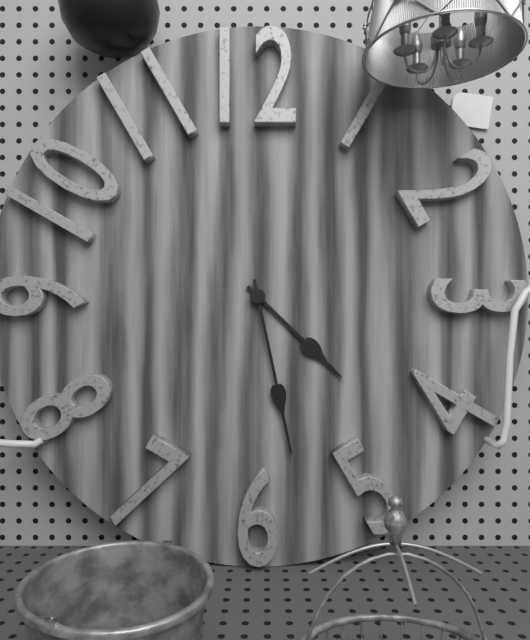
**4:28**
